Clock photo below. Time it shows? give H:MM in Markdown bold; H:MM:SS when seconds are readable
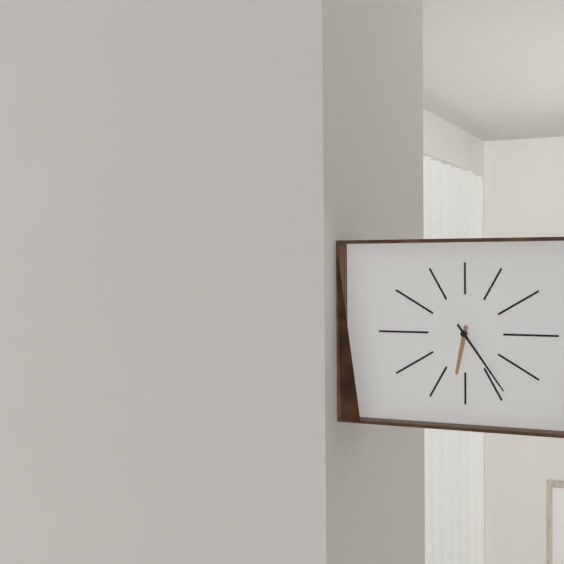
**6:24**
